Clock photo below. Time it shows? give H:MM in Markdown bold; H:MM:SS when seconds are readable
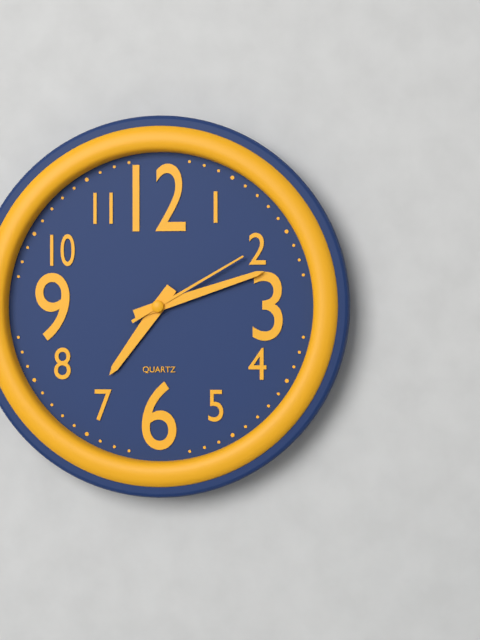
**7:12:10**
